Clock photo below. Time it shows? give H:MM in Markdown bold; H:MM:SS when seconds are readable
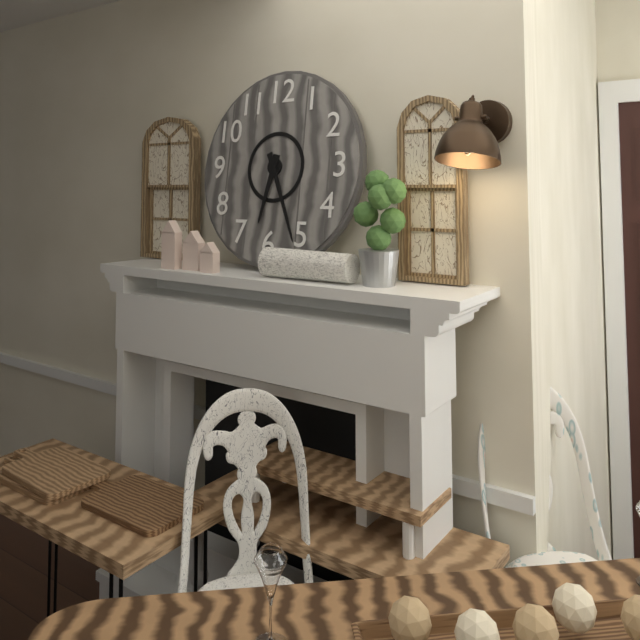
**6:26**
